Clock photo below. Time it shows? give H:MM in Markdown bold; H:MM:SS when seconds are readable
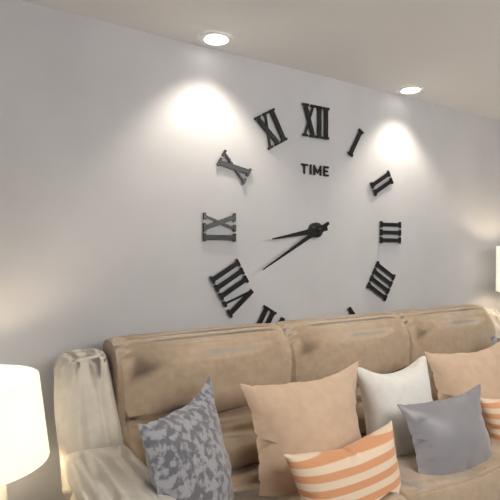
**8:40**
